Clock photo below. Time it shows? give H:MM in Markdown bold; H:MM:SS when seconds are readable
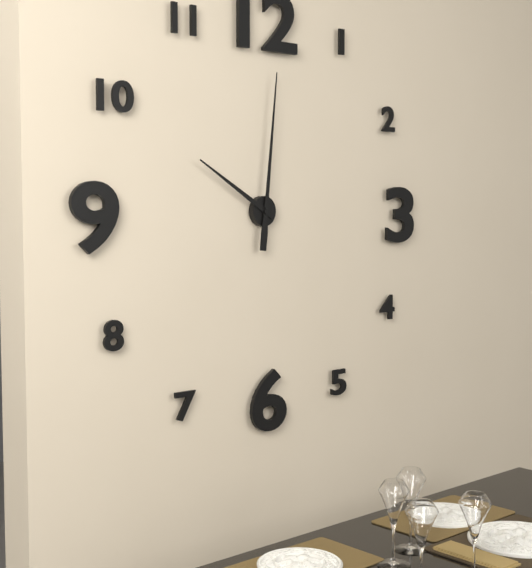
**10:01**
